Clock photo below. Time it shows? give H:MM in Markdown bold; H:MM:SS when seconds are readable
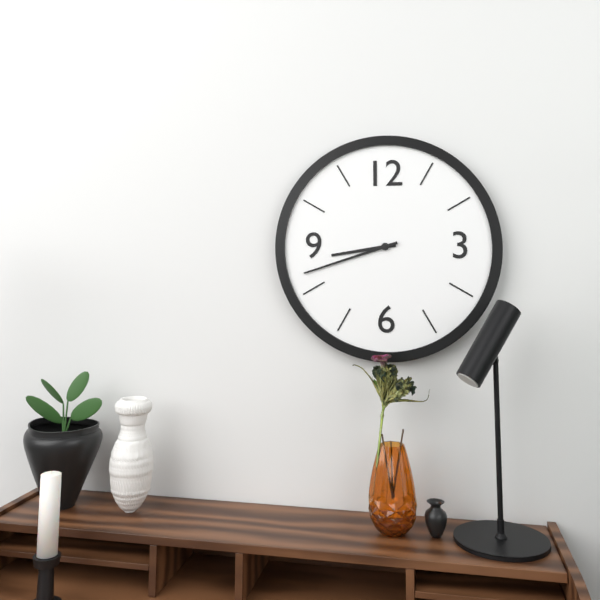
**8:42**
